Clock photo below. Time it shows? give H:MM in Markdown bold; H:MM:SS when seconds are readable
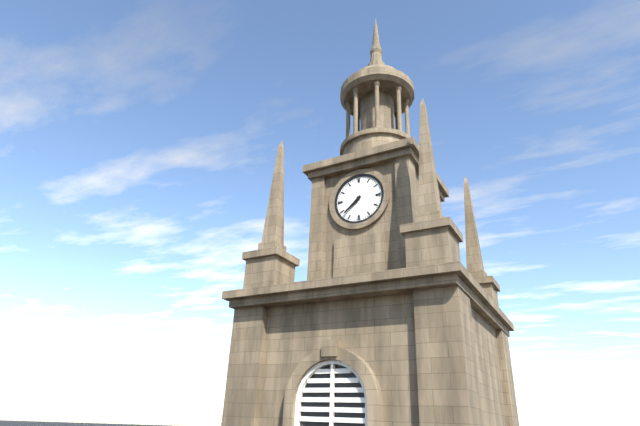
**7:38**
